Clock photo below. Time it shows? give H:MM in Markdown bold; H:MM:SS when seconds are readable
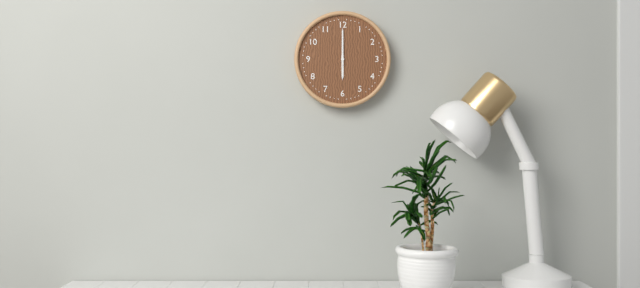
**6:00**
